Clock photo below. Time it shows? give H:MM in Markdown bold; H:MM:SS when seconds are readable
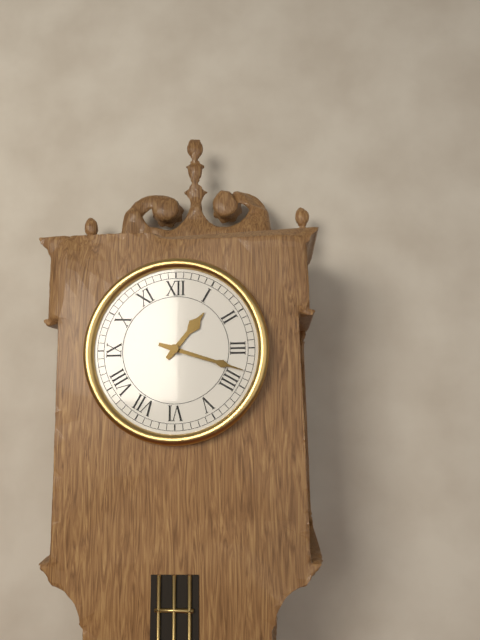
**1:18**
